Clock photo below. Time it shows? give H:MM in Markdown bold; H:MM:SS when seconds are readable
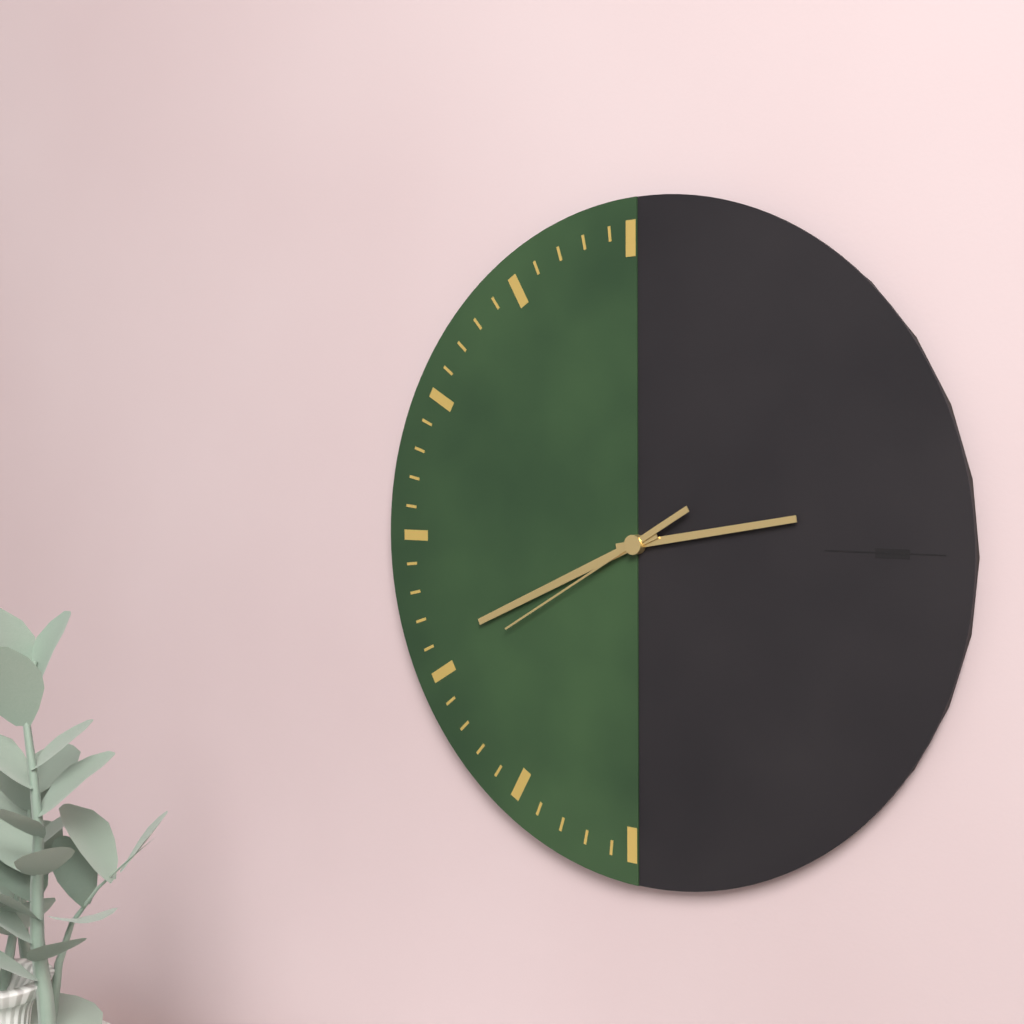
**2:41:40**
